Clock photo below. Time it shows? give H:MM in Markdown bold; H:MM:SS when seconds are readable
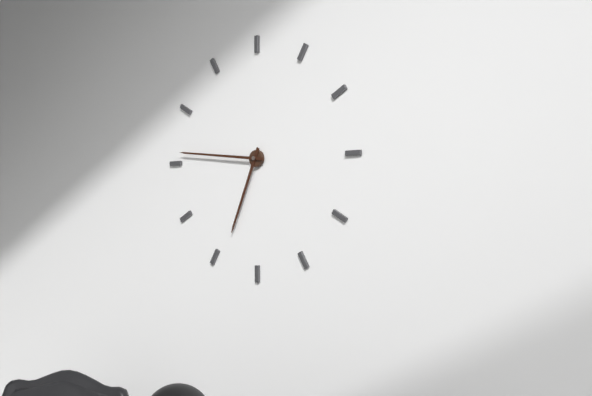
**6:46**
